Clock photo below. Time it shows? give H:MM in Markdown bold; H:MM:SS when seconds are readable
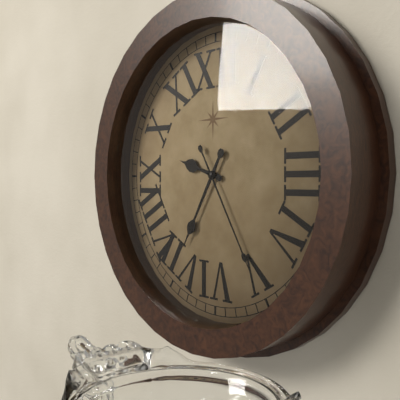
**9:35:25**
